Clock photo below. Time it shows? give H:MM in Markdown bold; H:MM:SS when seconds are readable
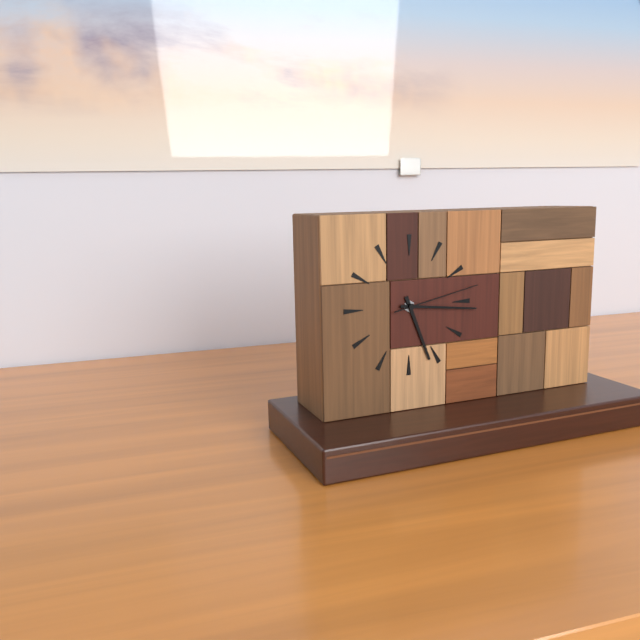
**5:16:13**
